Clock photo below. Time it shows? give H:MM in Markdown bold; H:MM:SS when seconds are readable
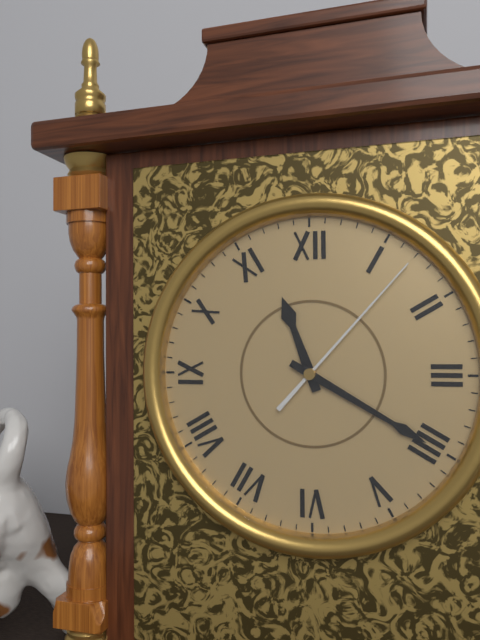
**11:20:07**
